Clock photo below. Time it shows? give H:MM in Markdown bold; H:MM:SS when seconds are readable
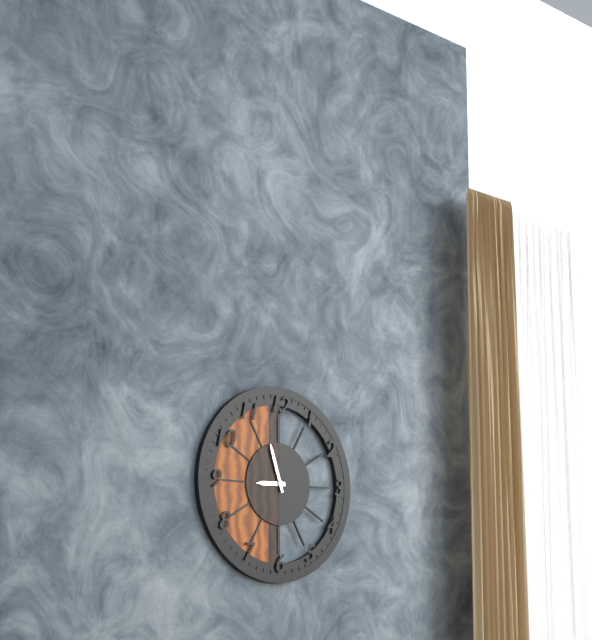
**8:57**
